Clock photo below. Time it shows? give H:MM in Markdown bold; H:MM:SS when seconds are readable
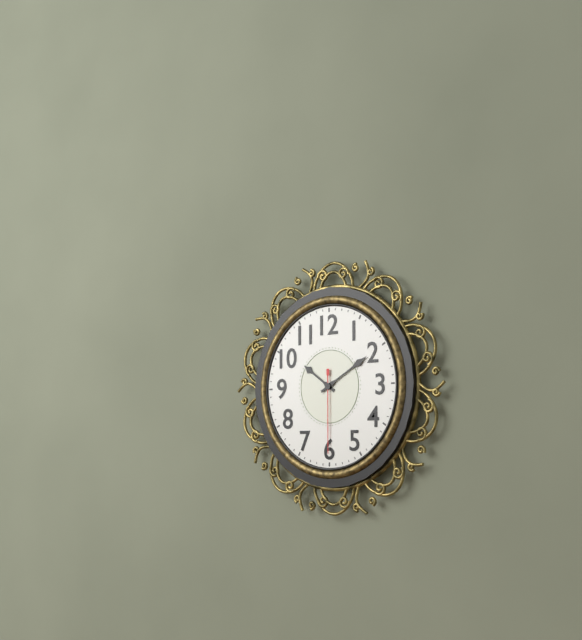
**10:10:30**
